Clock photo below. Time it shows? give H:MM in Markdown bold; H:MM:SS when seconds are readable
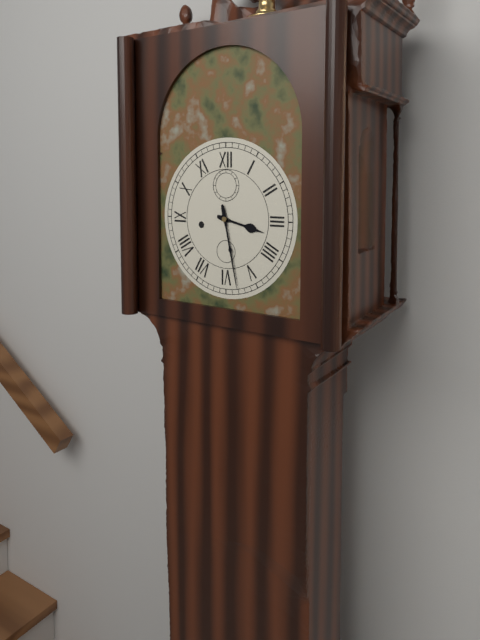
**3:28**
